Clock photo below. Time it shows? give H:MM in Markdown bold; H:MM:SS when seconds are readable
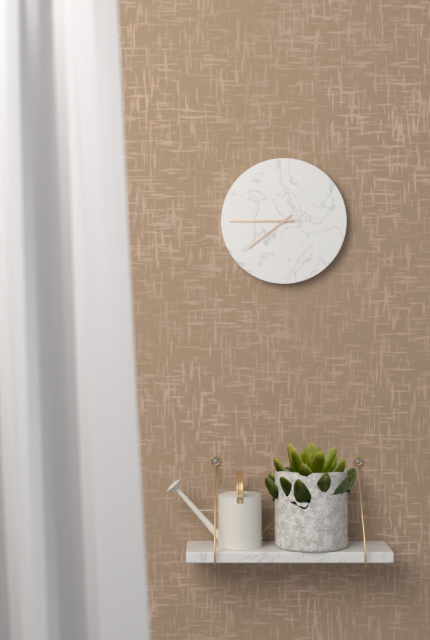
**7:45**
